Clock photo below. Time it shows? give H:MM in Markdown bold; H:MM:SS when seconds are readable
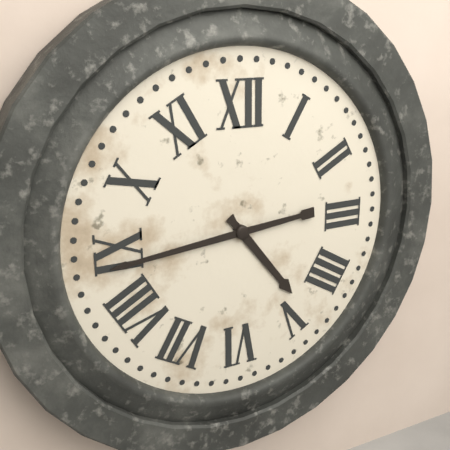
**4:44**
